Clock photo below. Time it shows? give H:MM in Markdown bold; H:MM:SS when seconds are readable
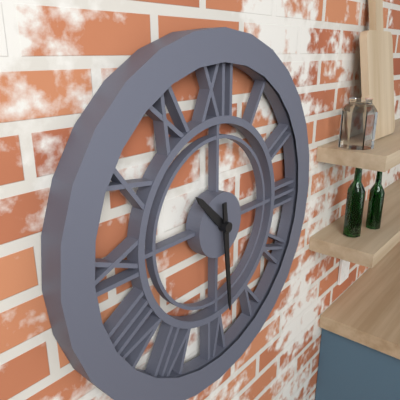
**10:29**
